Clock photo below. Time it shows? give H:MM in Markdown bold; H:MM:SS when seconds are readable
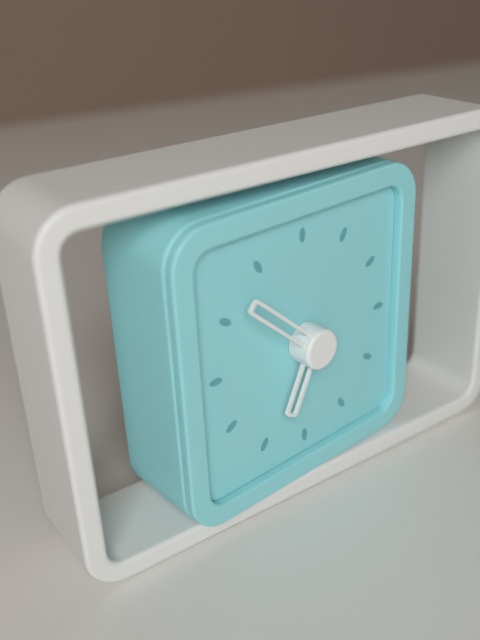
**6:52**
